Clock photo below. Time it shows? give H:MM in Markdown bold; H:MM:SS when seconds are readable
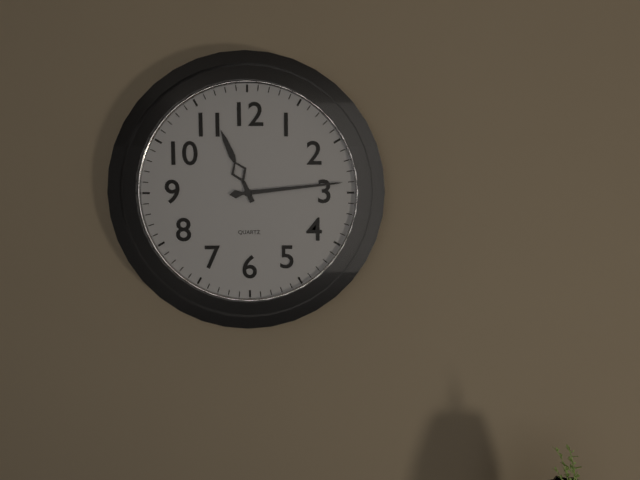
**11:14**
